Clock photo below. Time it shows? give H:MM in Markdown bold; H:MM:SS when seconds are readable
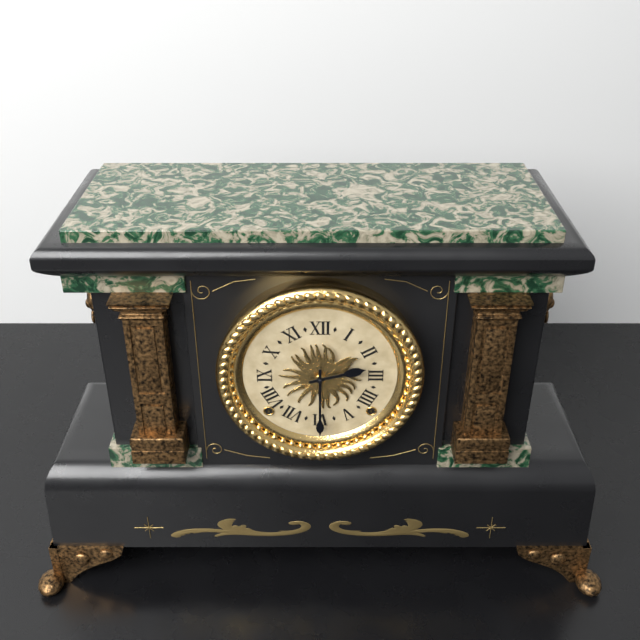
**2:30**
